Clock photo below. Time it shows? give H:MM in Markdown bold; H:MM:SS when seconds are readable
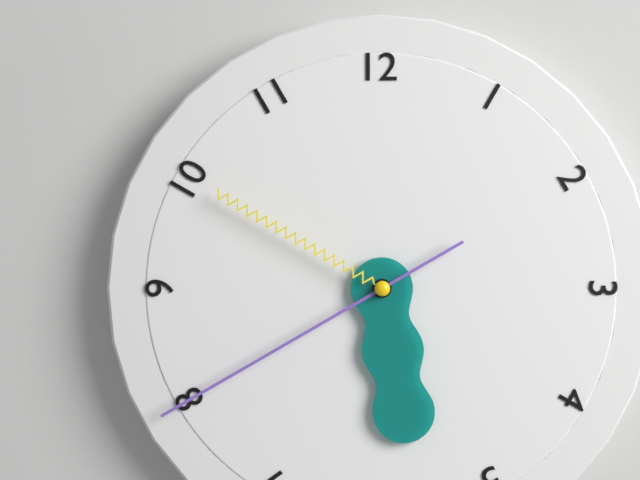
**5:40:50**
